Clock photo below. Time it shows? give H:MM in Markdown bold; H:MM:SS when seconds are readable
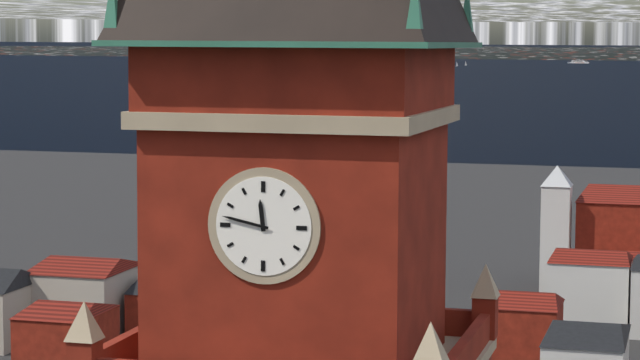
**11:47**
